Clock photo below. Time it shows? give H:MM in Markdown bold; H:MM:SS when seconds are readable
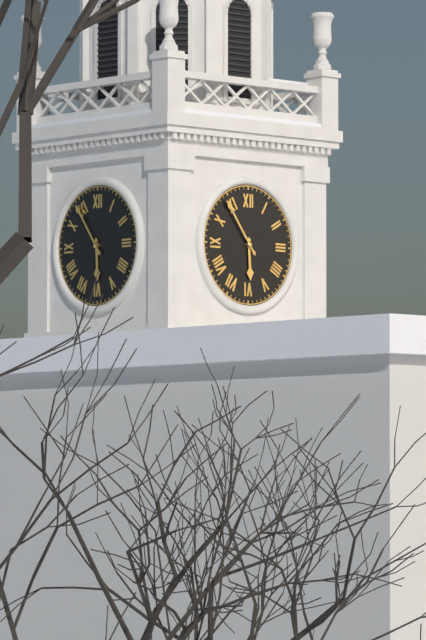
**5:54**
